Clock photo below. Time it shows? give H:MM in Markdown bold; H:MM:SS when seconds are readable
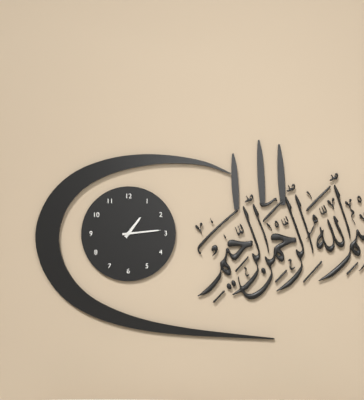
**1:14**
